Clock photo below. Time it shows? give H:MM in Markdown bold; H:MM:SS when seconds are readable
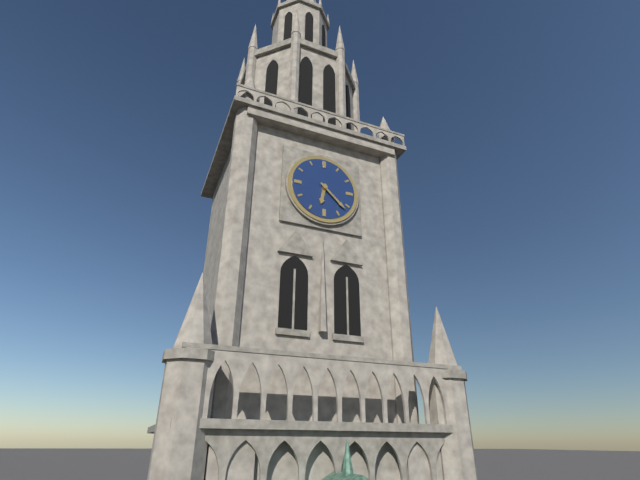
**6:22**
